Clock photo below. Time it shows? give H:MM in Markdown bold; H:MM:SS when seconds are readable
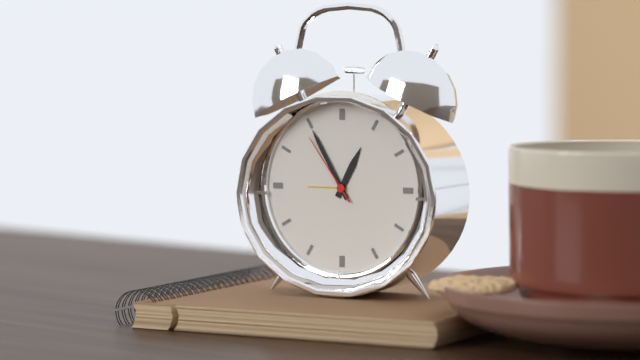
**12:55:54**
